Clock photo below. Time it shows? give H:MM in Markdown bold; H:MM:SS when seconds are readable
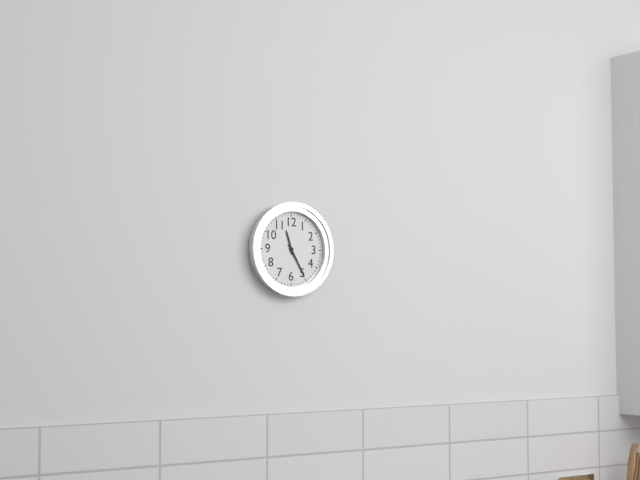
**11:25**
